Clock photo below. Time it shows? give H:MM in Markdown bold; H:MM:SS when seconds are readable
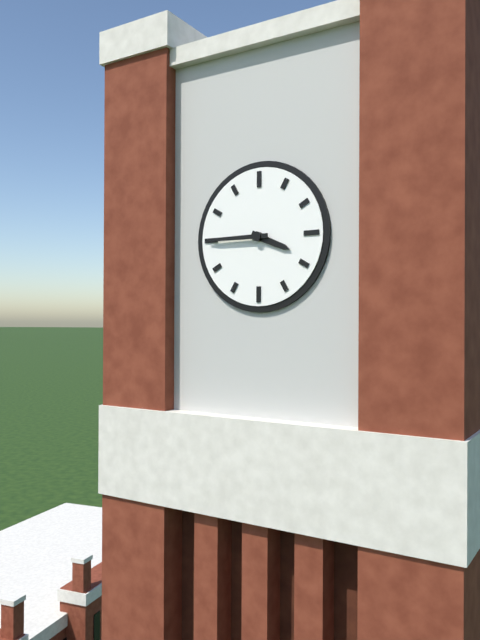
**3:45**
